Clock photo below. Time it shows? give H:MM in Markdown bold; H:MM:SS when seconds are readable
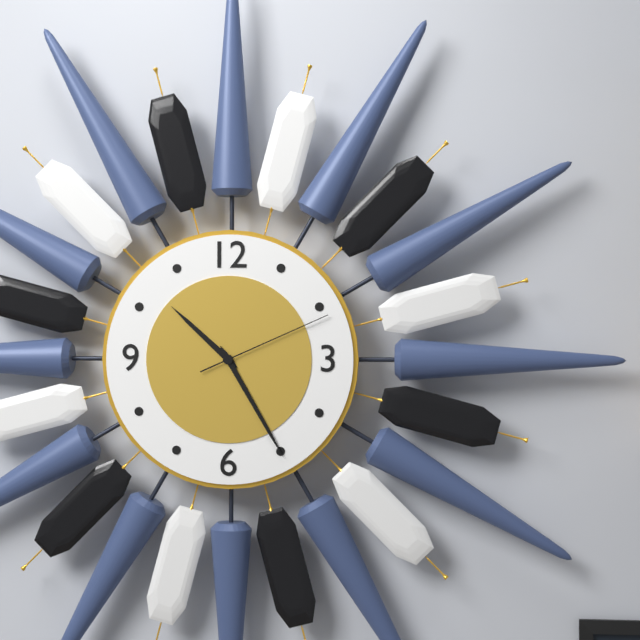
**10:25:11**
